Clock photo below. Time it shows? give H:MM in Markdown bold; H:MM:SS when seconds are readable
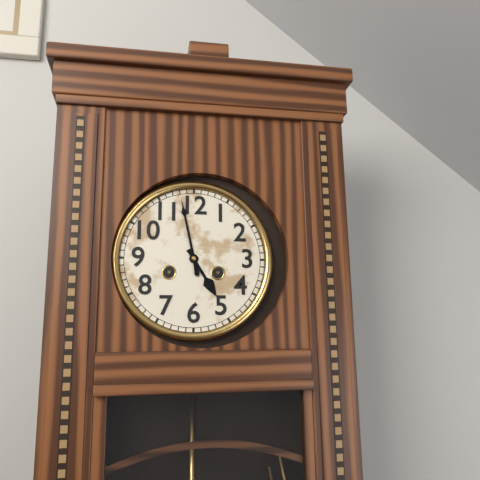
**4:58**
